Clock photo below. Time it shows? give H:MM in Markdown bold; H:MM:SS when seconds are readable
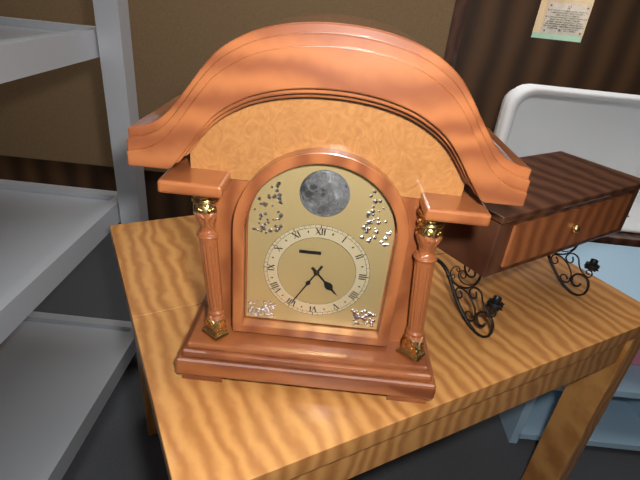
**4:35**
